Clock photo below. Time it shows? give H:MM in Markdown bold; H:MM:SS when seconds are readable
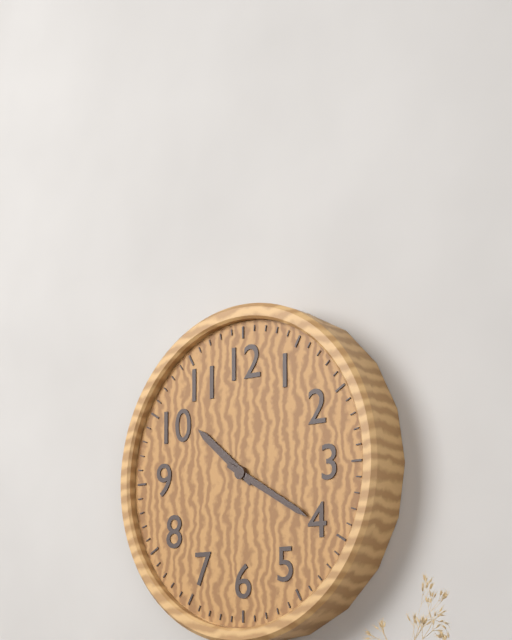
**10:20**
